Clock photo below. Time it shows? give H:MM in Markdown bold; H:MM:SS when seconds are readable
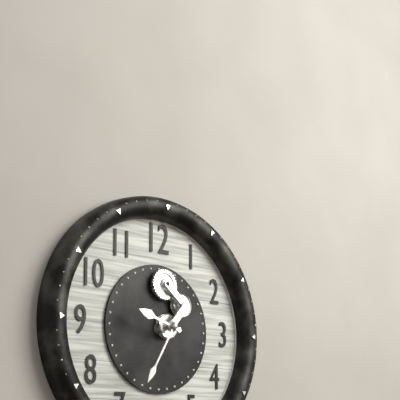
**9:35**
